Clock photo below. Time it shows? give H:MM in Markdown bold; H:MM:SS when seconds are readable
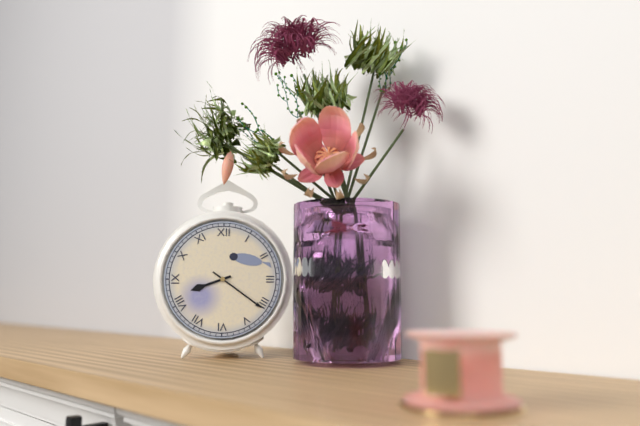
**8:21**
